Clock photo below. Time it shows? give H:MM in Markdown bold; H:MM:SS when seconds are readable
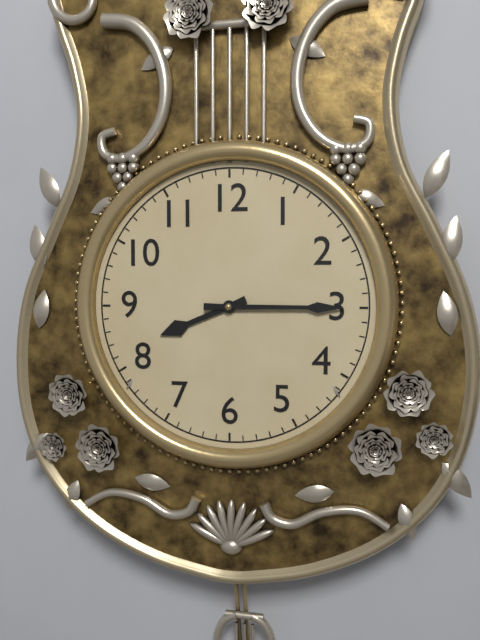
**8:15**
